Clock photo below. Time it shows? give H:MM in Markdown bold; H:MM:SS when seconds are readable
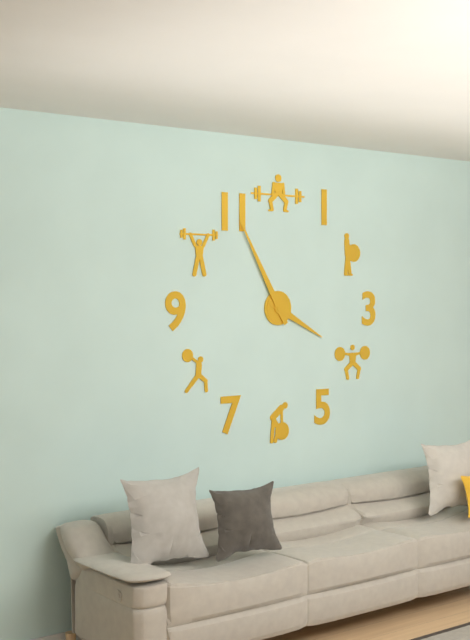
**3:55**
